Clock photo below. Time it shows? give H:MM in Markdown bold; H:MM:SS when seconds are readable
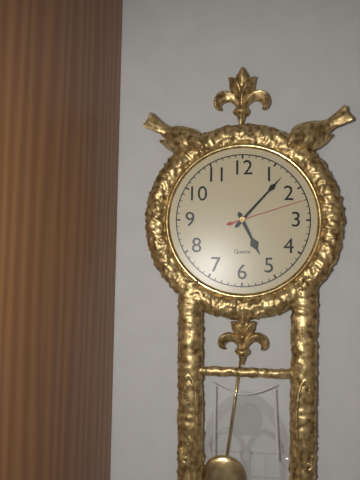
**5:07:12**
